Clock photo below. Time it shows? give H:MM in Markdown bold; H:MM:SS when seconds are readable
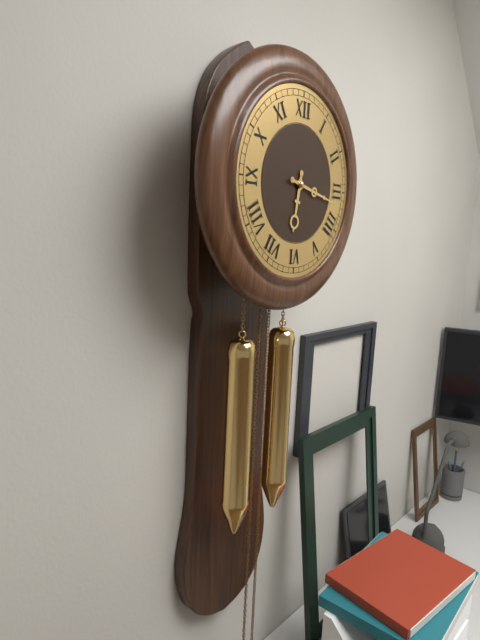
**6:17**
